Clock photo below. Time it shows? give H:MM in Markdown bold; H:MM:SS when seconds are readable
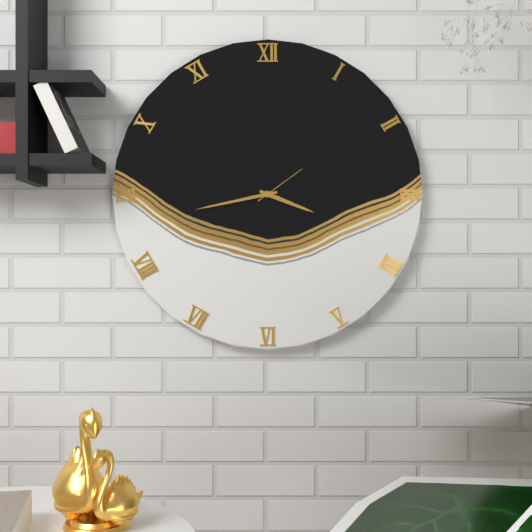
**3:43:09**
